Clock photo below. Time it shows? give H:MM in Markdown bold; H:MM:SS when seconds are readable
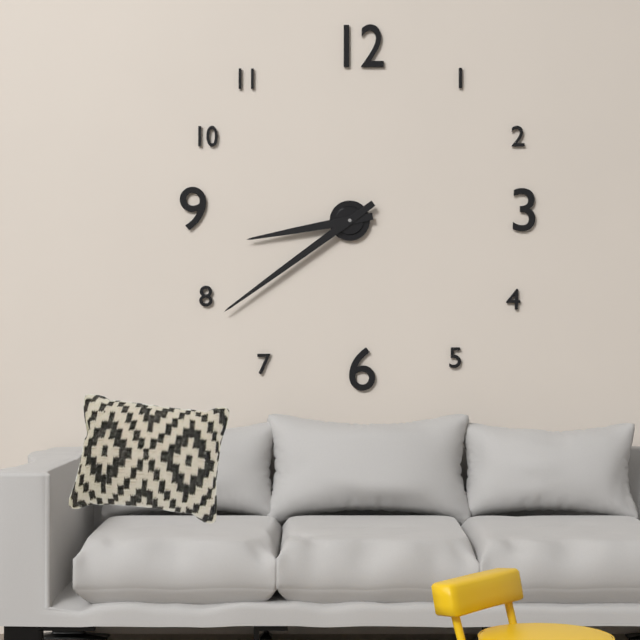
**8:39**
